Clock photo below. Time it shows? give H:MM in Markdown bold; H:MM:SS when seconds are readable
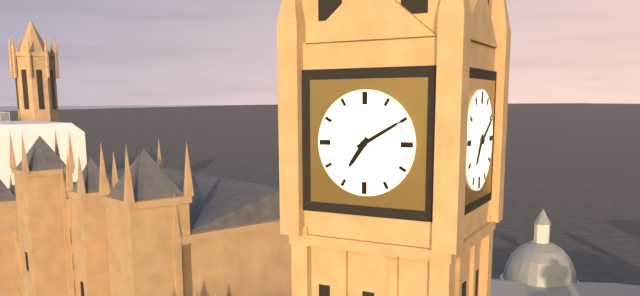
**7:10**
